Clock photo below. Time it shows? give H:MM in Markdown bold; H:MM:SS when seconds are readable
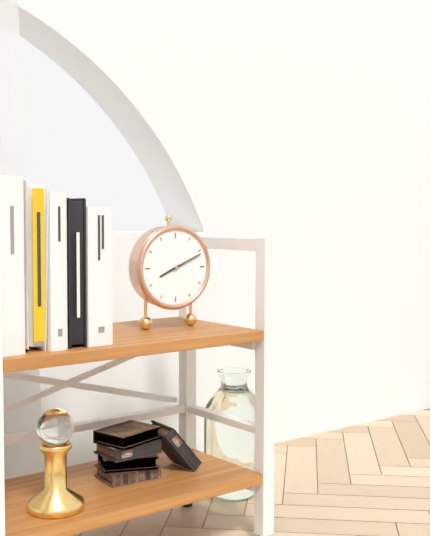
**8:11**
